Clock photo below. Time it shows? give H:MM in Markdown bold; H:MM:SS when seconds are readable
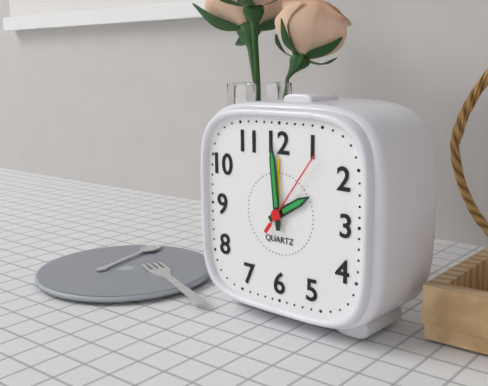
**1:59:06**
